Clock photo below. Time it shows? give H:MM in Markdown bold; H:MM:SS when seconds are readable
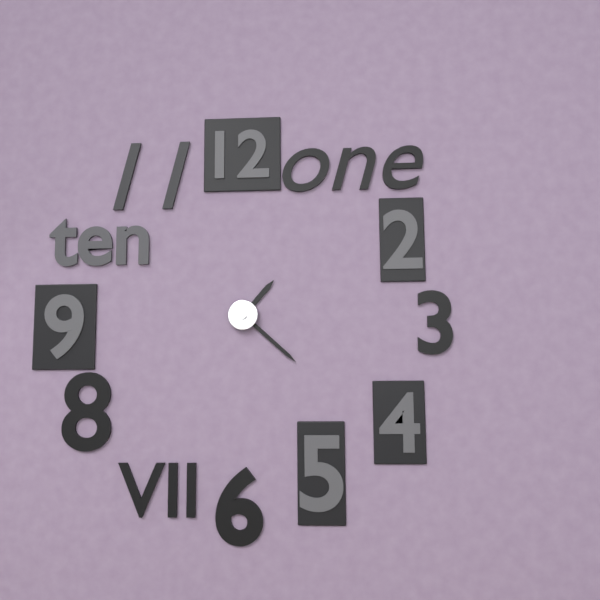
**1:22**
